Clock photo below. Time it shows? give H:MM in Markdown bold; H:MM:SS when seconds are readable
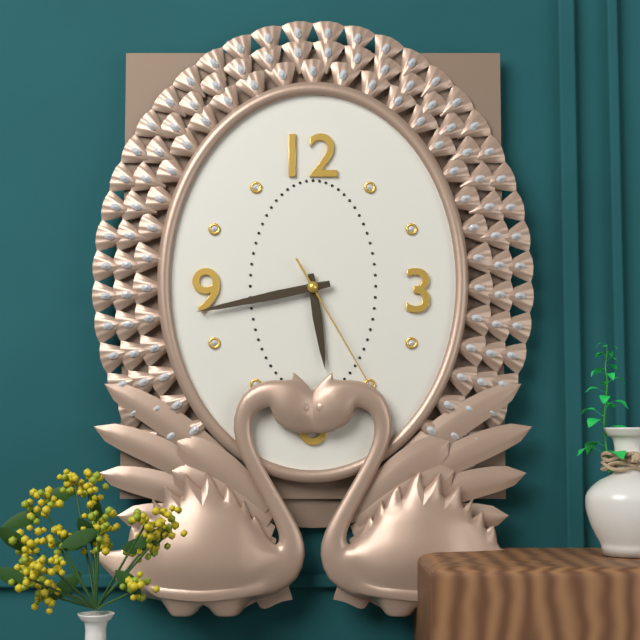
**5:43:25**
